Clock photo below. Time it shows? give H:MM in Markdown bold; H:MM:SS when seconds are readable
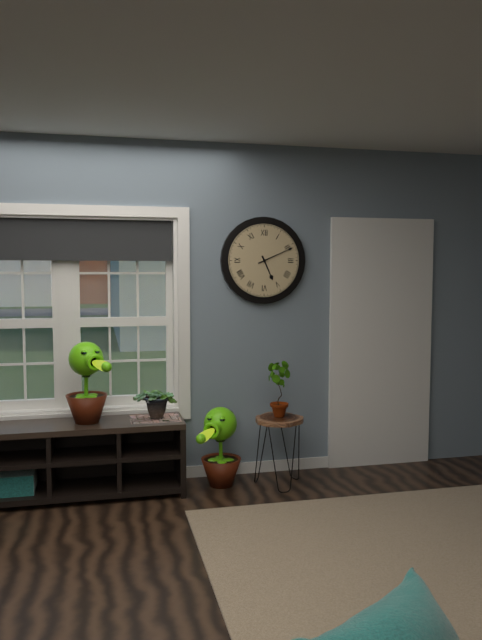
**5:11**
